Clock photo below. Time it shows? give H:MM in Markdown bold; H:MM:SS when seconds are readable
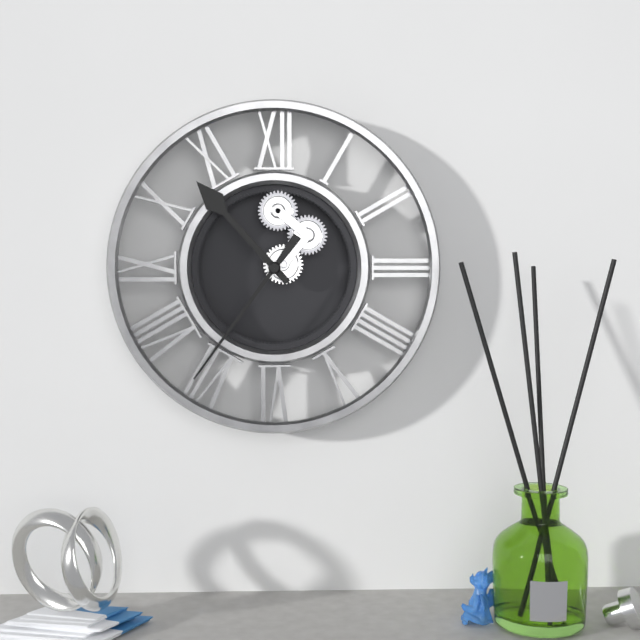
**10:36**
